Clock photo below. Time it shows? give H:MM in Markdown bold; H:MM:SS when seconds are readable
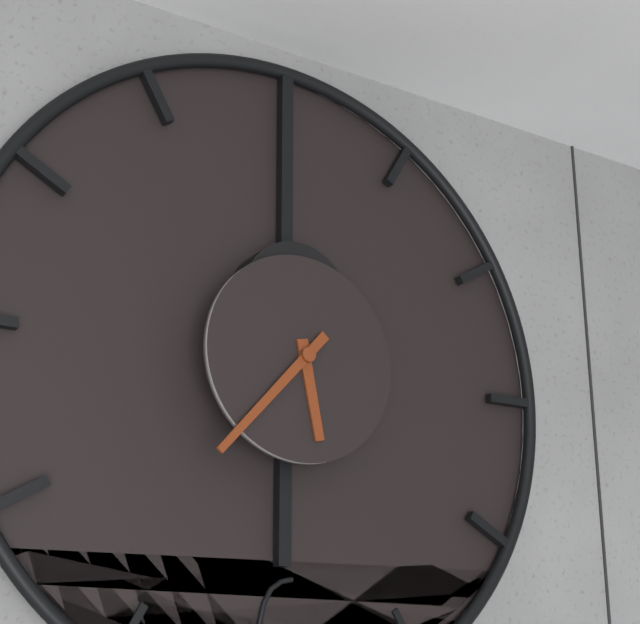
**5:37**
